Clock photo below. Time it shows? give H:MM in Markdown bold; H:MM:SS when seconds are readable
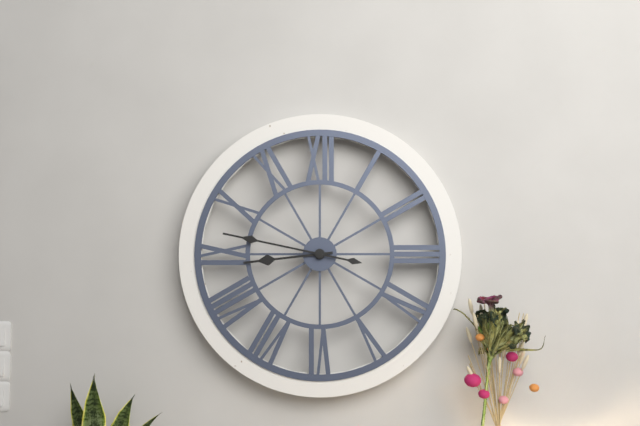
**8:47**
